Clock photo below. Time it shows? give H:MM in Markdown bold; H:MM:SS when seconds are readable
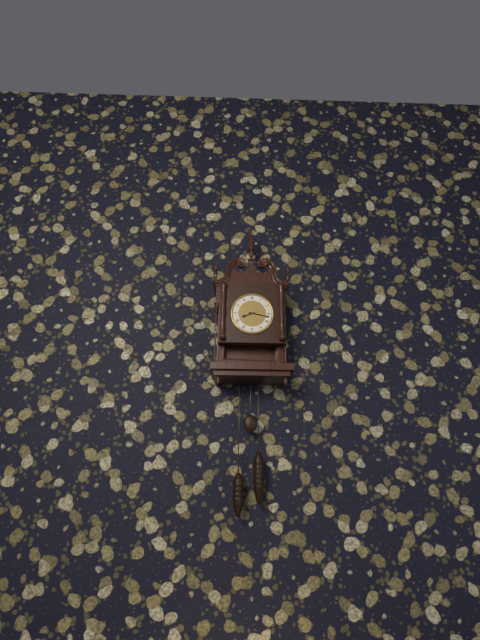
**8:17**
